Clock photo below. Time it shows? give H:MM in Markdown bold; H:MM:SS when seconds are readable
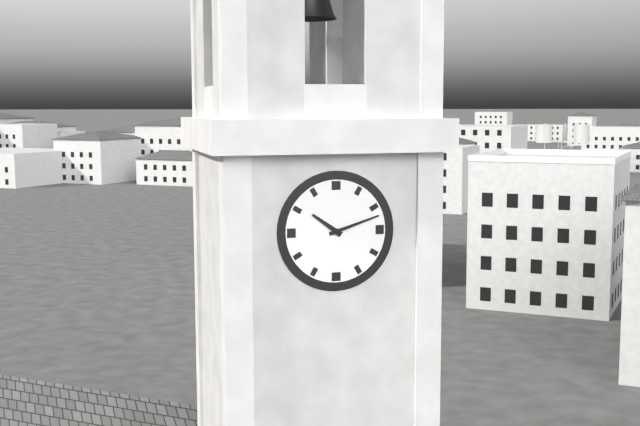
**10:12**
